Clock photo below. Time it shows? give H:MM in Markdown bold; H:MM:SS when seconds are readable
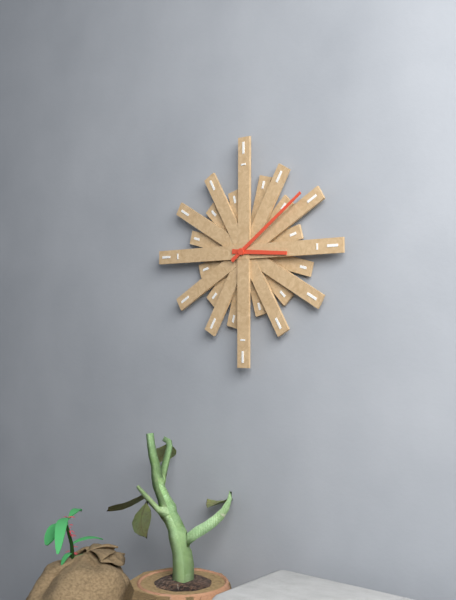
**3:09**
